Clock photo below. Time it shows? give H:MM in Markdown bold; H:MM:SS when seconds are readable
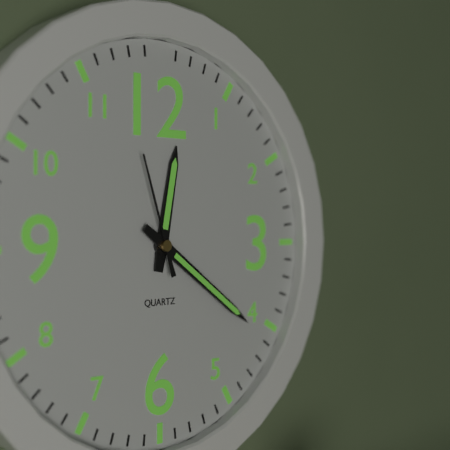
**12:21:57**
